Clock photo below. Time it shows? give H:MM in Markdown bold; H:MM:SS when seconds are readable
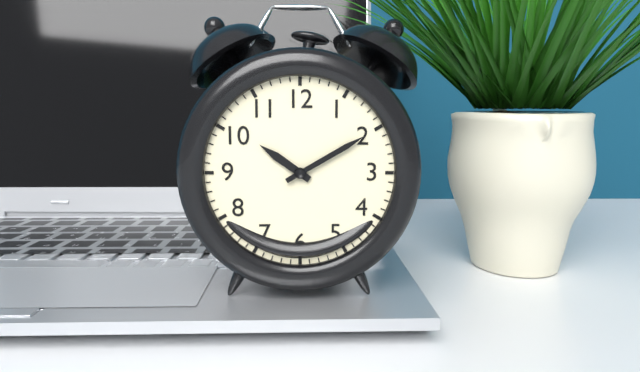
**10:10**
